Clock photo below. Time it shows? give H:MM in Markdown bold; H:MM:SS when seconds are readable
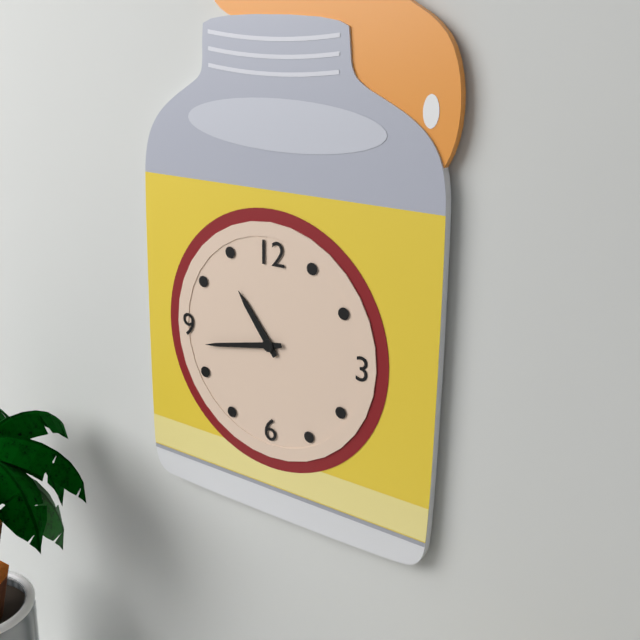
**10:43**
